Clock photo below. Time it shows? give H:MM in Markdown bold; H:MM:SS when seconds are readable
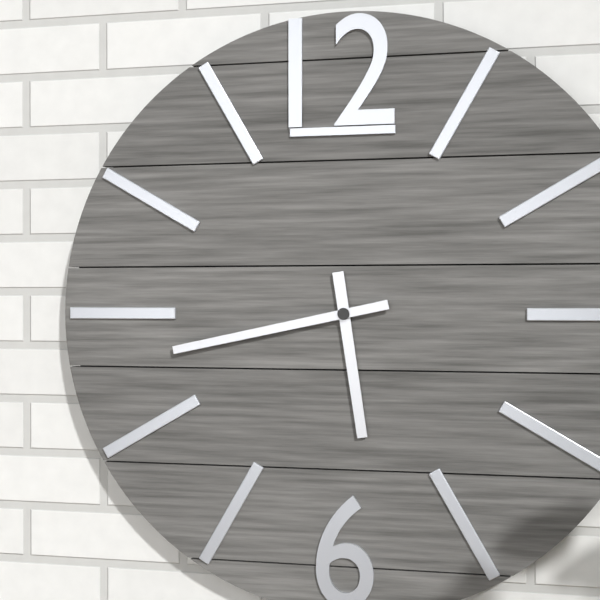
**5:43**
